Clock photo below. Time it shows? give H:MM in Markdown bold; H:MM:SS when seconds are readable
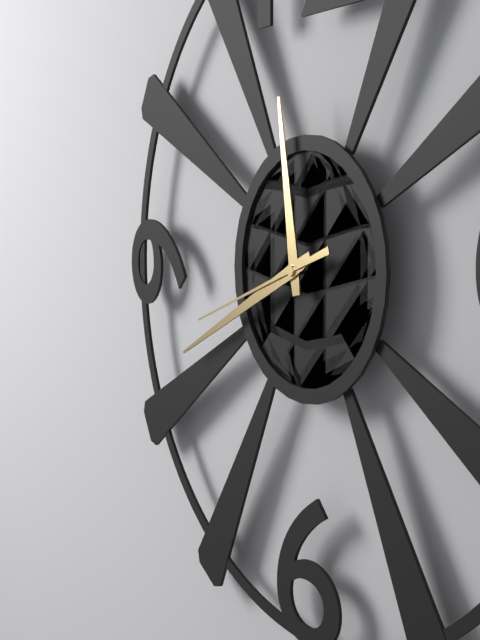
**11:41:42**
